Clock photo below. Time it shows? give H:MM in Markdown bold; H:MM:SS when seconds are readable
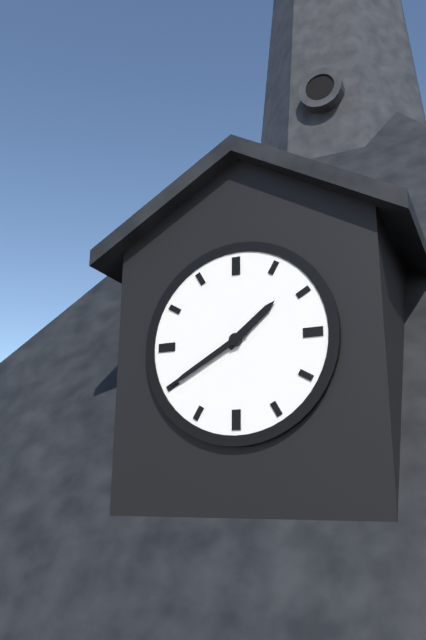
**1:40**
